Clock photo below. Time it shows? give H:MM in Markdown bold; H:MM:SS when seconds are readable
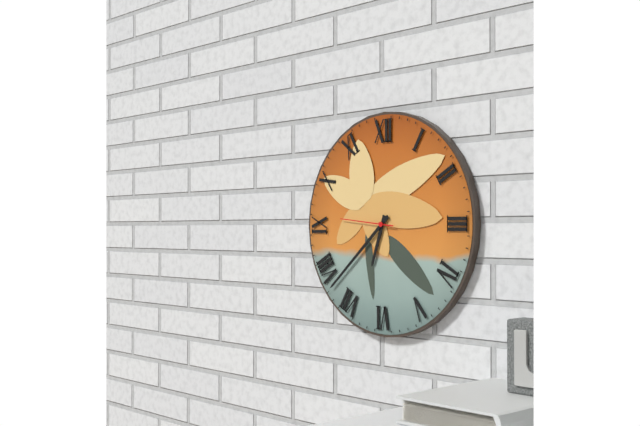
**6:38:46**
